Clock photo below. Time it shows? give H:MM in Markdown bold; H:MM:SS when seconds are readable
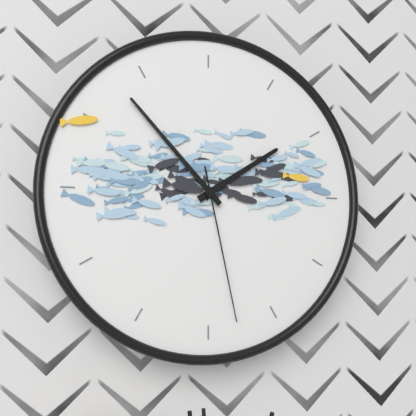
**1:53:28**
